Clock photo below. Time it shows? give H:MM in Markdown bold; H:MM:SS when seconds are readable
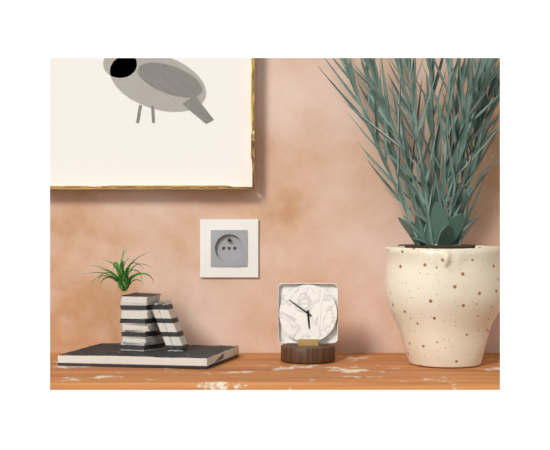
**5:51**
